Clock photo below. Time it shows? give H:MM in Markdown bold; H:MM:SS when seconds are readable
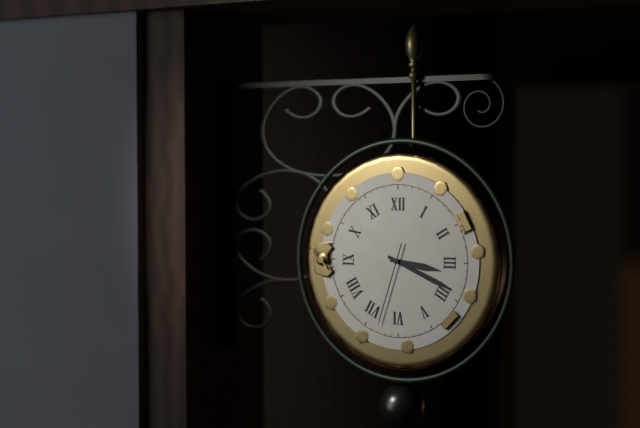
**3:19:33**
